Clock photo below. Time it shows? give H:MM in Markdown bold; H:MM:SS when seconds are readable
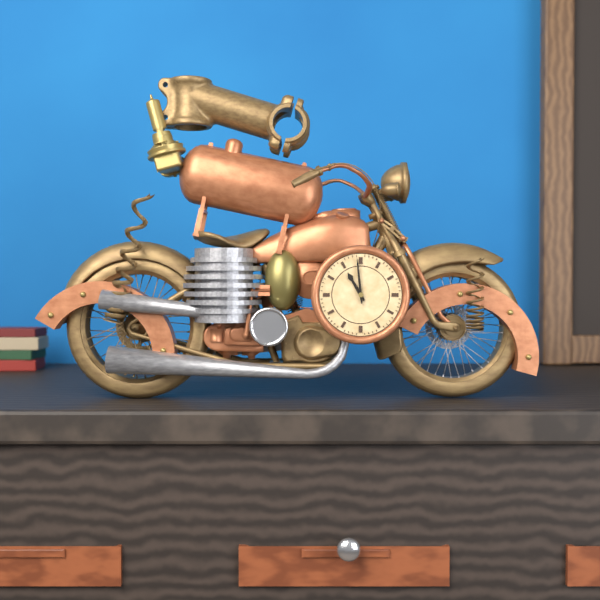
**10:59**
